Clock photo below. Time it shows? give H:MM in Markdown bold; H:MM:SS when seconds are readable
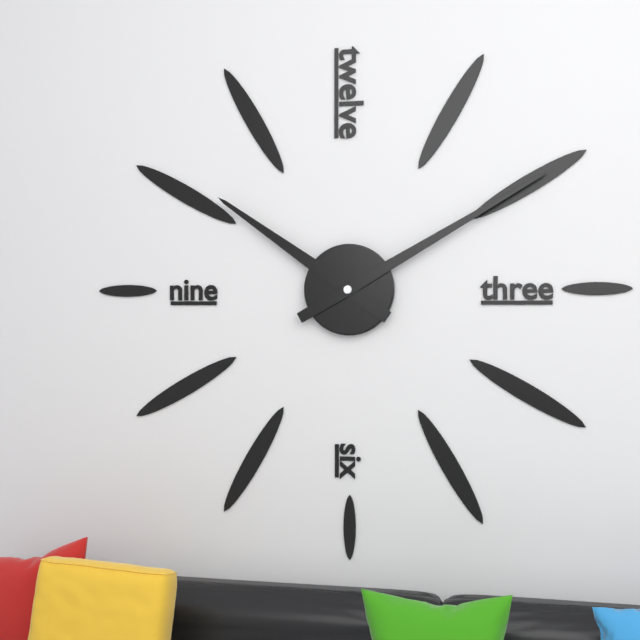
**10:10**
